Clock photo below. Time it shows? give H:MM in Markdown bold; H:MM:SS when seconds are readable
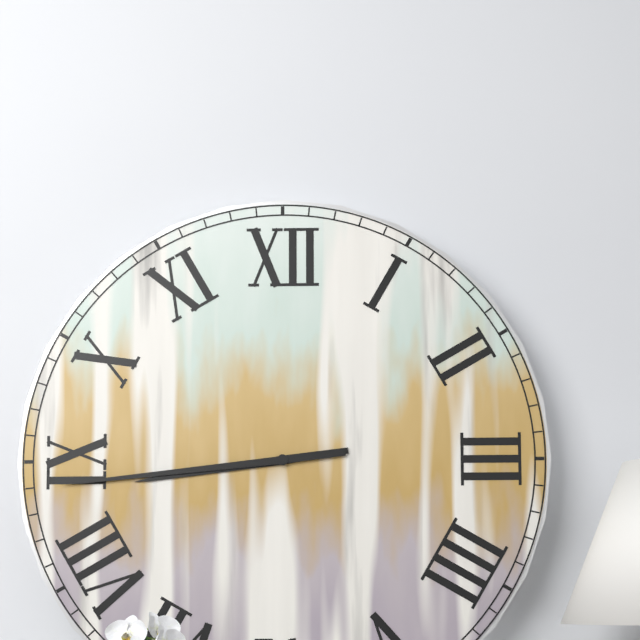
**8:44**
